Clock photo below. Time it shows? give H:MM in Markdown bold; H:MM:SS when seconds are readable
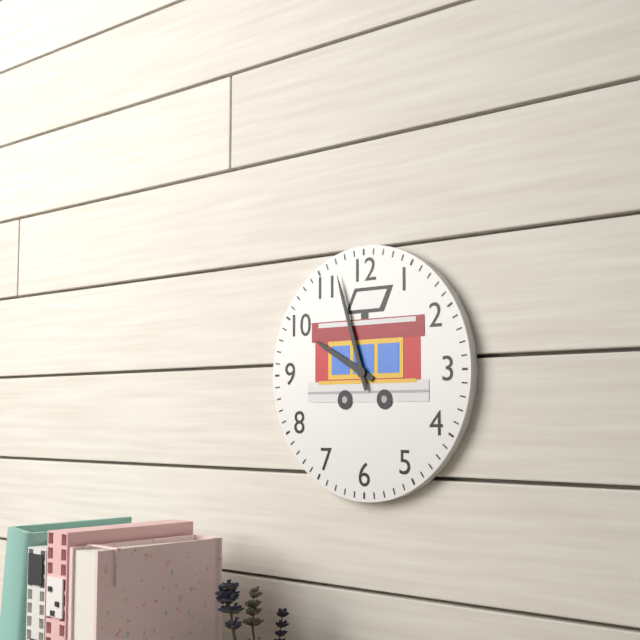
**9:57**
